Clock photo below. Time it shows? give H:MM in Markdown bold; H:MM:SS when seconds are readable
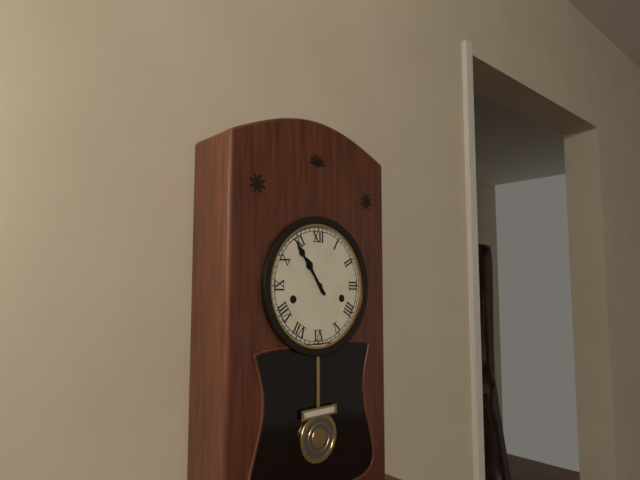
**10:54**
